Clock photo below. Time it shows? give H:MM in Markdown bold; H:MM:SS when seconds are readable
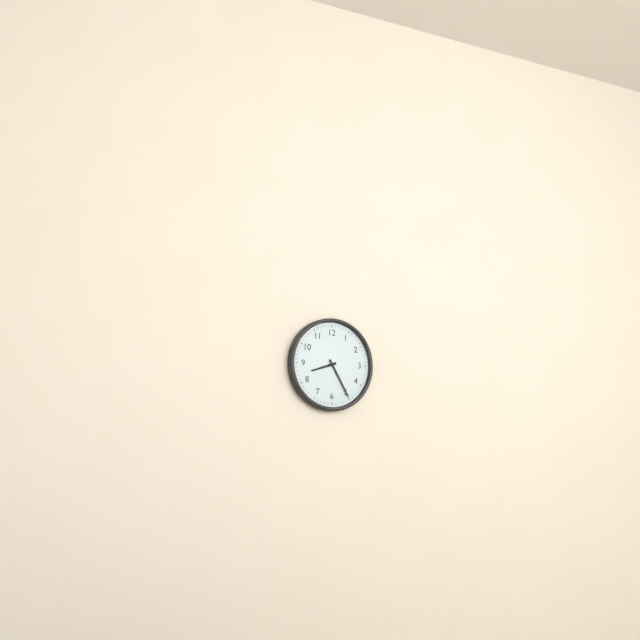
**8:25**
